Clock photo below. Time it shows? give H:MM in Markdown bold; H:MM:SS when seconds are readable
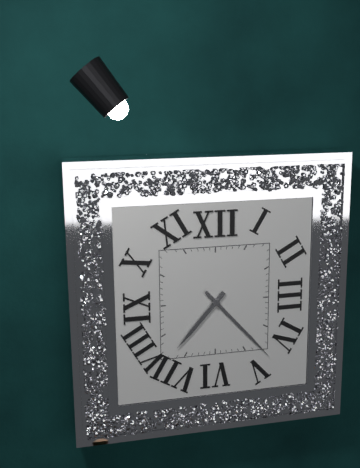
**7:23**
